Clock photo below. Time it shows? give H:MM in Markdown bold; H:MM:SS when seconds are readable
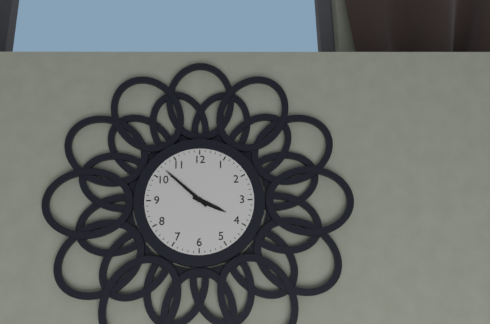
**3:52**
